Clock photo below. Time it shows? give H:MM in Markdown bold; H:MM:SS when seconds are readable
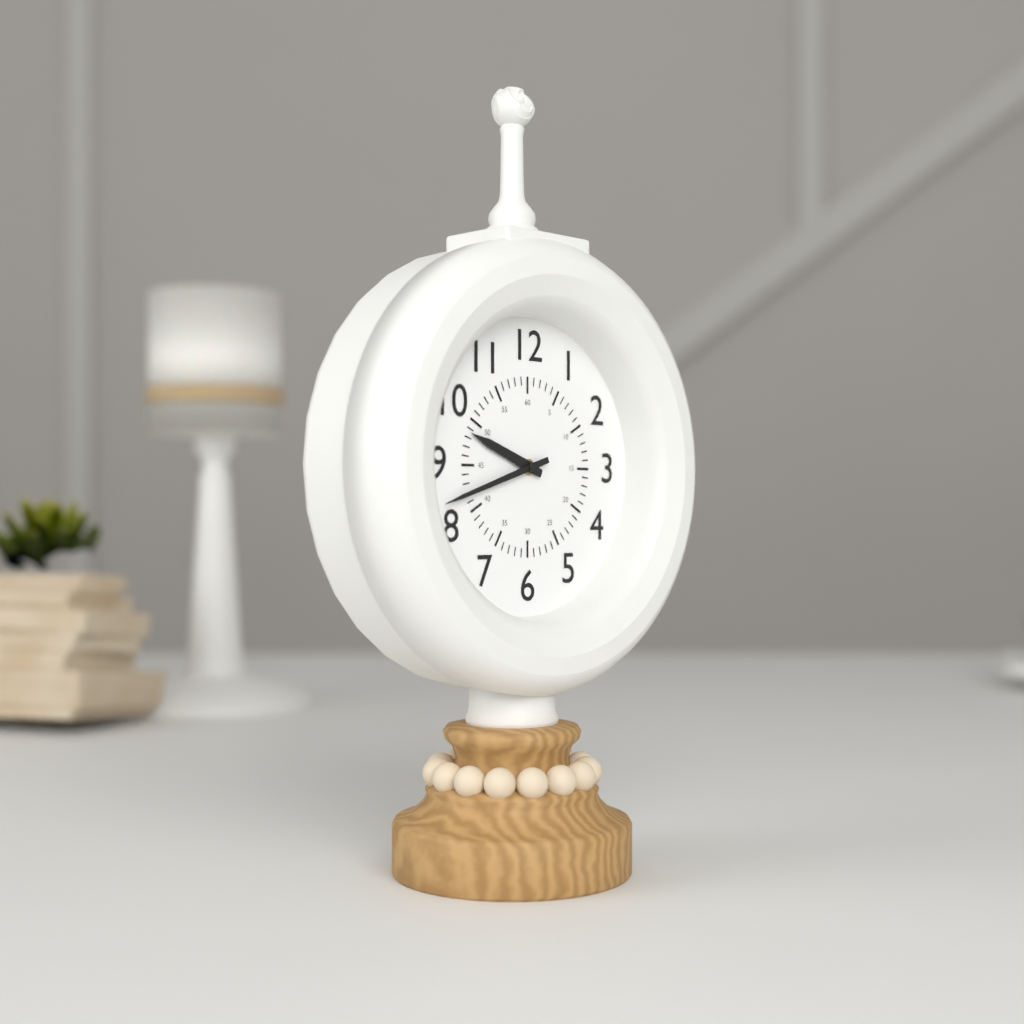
**9:42**
